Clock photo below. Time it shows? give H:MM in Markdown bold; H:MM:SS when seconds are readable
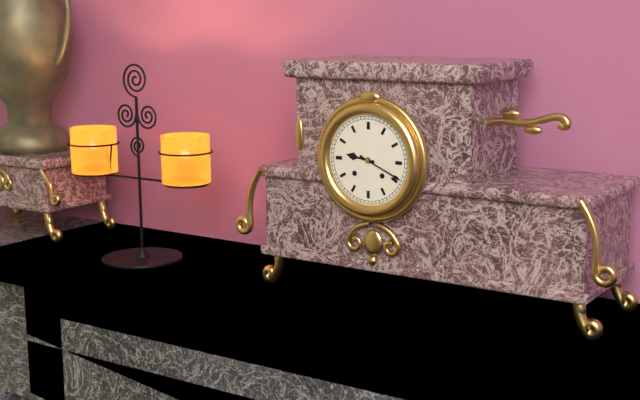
**9:19**
